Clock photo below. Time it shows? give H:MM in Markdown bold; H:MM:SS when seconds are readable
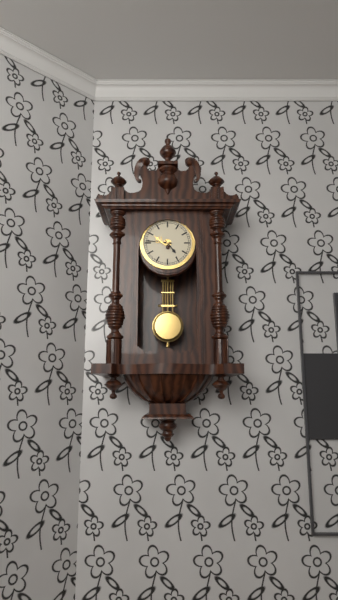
**4:46**
